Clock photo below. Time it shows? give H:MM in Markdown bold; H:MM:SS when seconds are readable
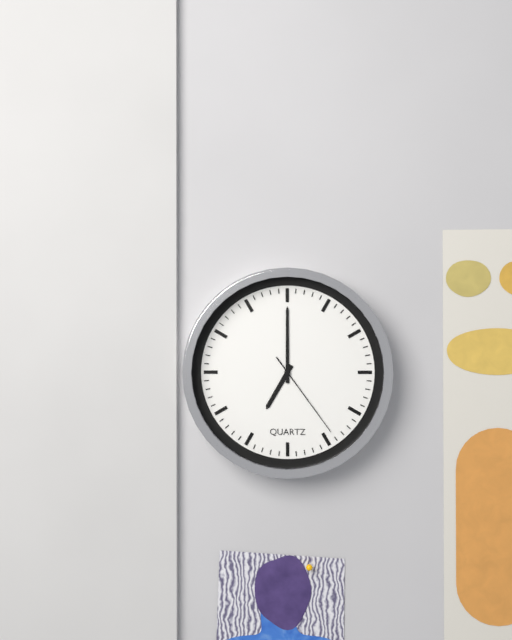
**7:00:24**
